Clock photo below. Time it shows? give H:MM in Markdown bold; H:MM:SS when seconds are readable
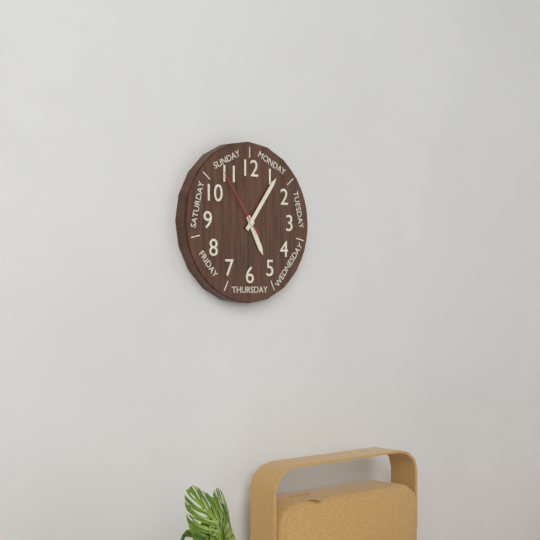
**5:06:54**
